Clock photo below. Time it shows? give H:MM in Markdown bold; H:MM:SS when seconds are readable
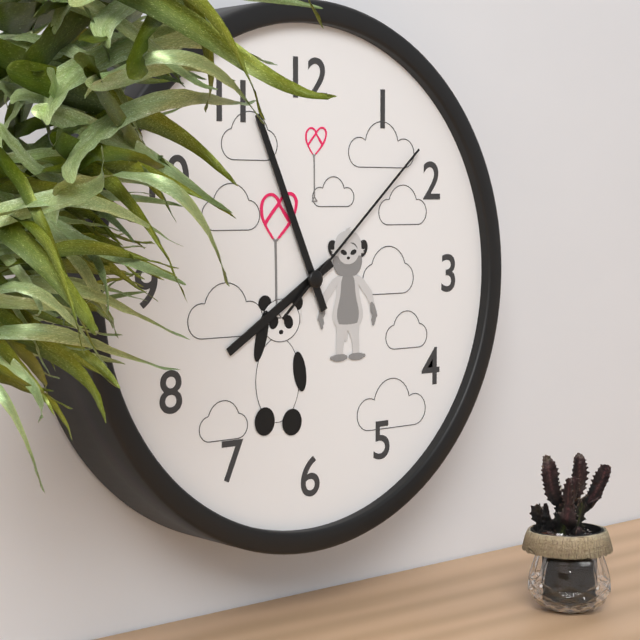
**7:56:08**
